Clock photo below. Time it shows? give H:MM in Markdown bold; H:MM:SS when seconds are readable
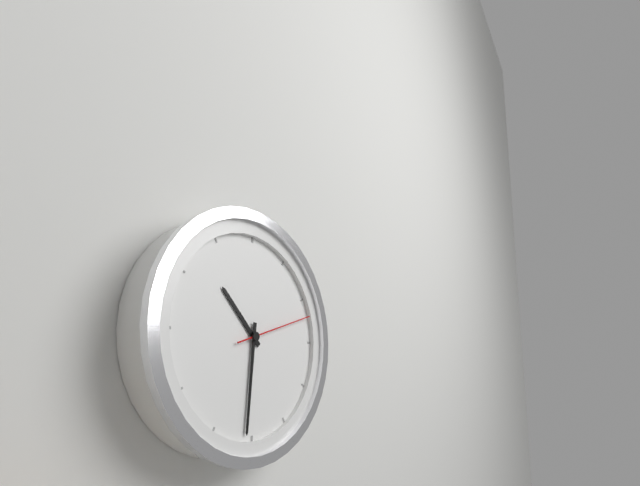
**10:31:12**
